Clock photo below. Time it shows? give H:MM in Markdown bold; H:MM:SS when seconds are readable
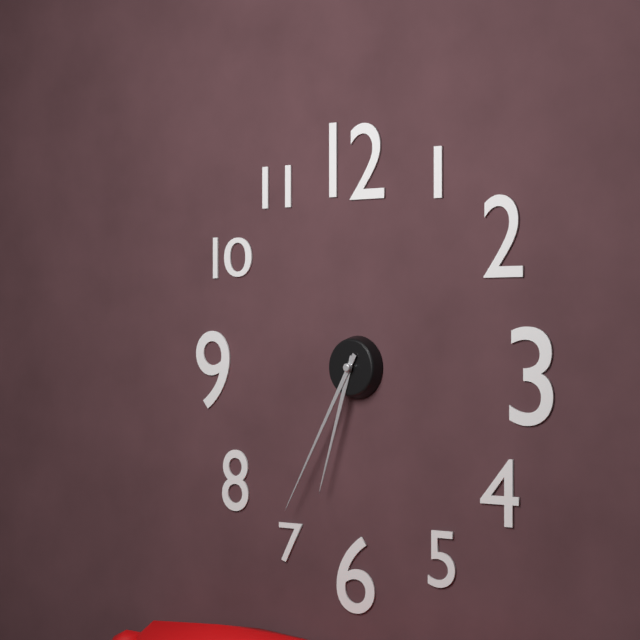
**6:35**
